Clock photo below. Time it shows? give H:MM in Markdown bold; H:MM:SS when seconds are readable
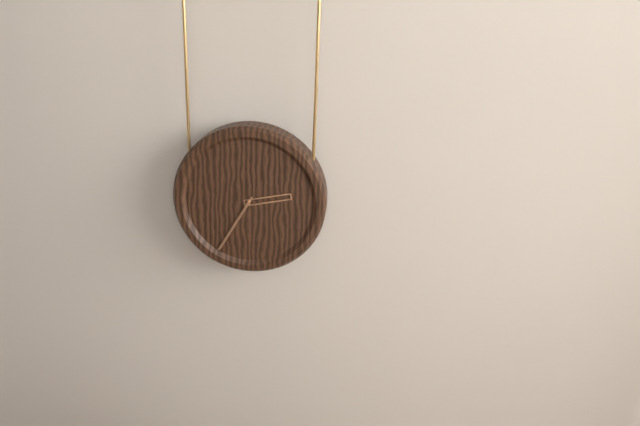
**2:35**
